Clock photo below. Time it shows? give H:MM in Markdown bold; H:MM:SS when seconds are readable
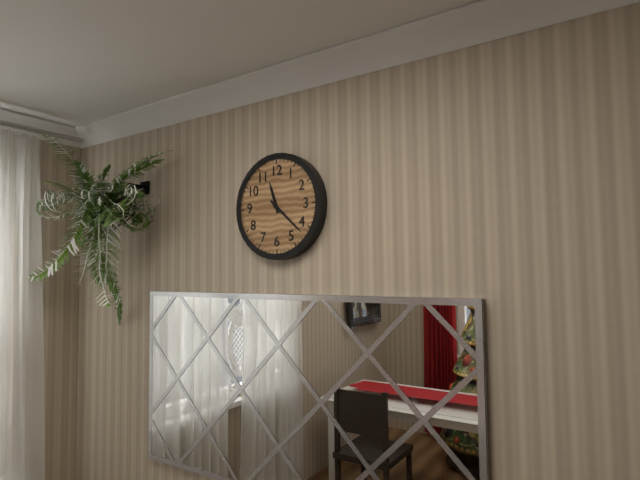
**11:22**
